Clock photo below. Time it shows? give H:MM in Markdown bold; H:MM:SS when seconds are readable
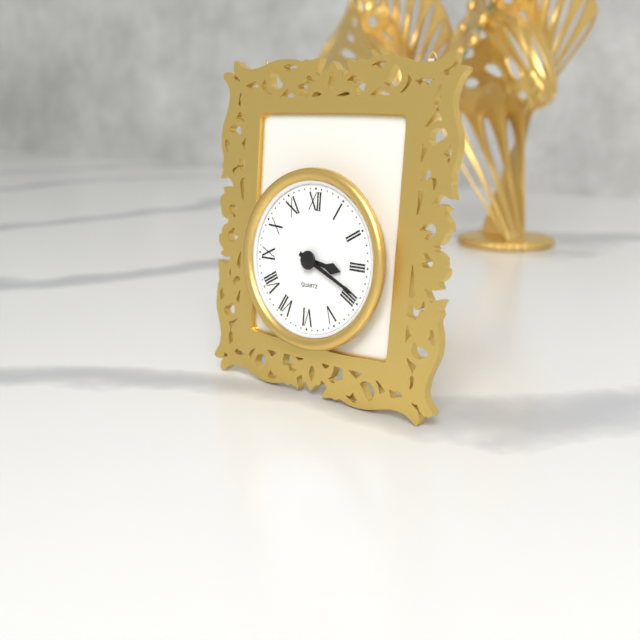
**3:19**
